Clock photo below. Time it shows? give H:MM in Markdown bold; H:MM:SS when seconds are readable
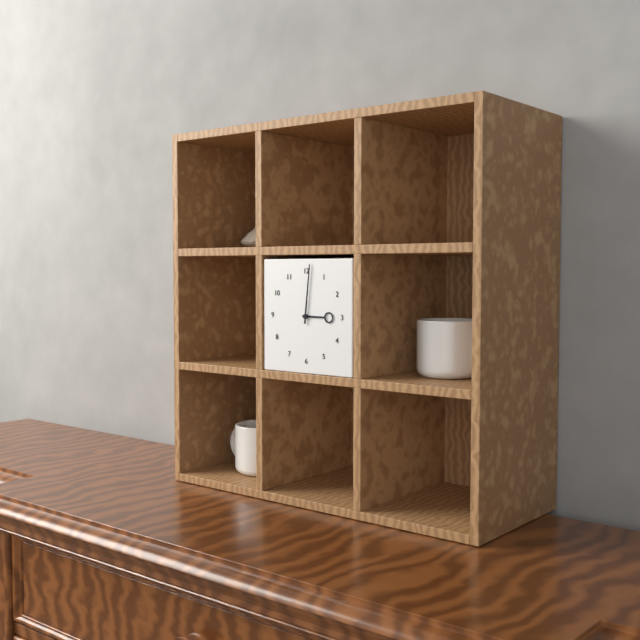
**3:01**
